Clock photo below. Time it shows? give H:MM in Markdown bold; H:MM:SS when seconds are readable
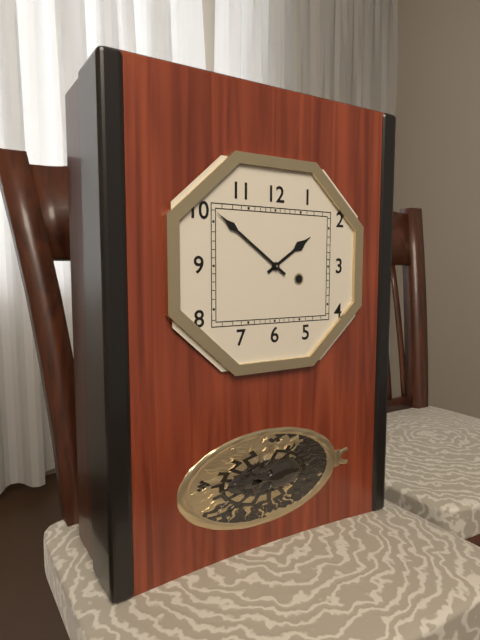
**1:51**
